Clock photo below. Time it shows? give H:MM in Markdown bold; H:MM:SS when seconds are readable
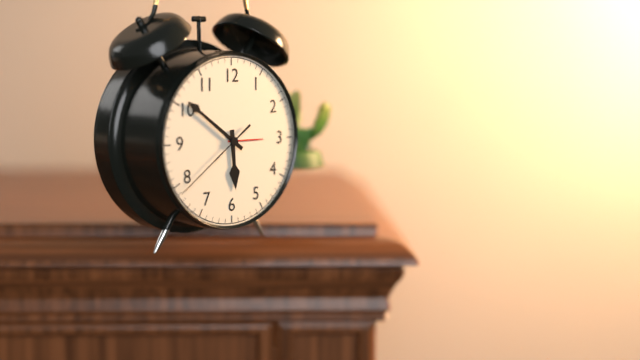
**5:51:39**
